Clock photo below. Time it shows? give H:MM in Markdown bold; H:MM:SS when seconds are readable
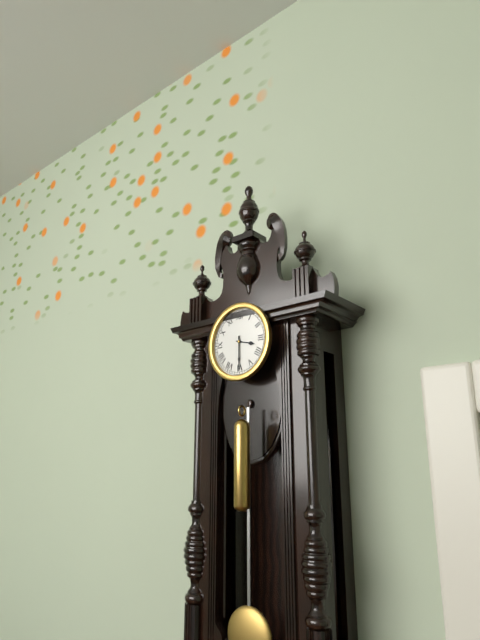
**3:30**
